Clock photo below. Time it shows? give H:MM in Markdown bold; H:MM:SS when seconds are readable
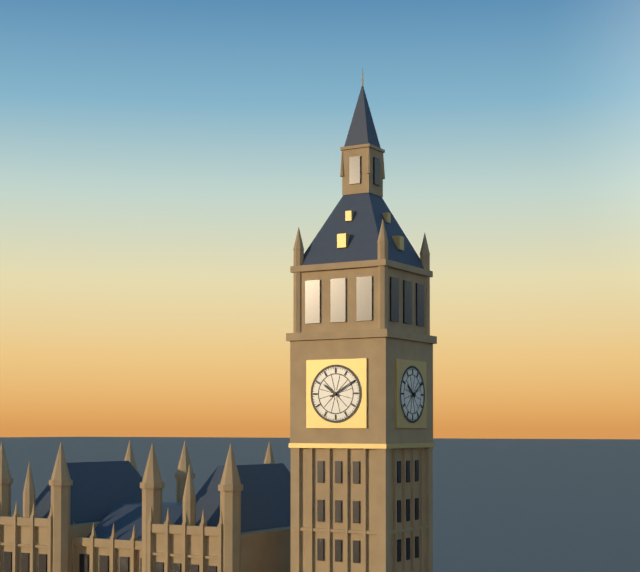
**10:10**
